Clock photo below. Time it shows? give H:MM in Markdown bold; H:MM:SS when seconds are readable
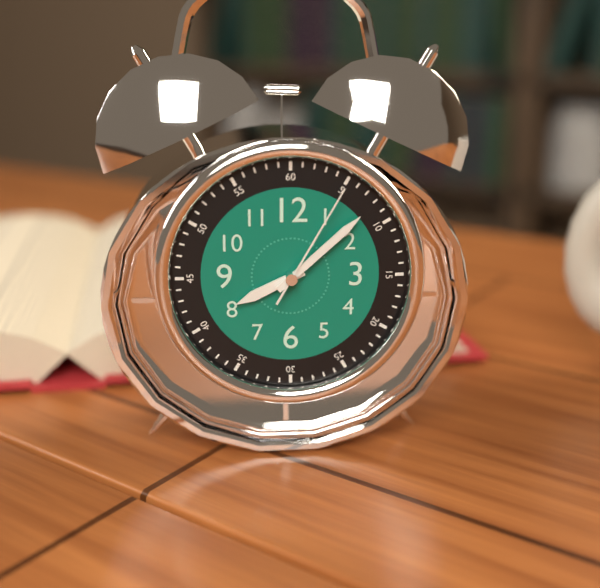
**8:08:05**
